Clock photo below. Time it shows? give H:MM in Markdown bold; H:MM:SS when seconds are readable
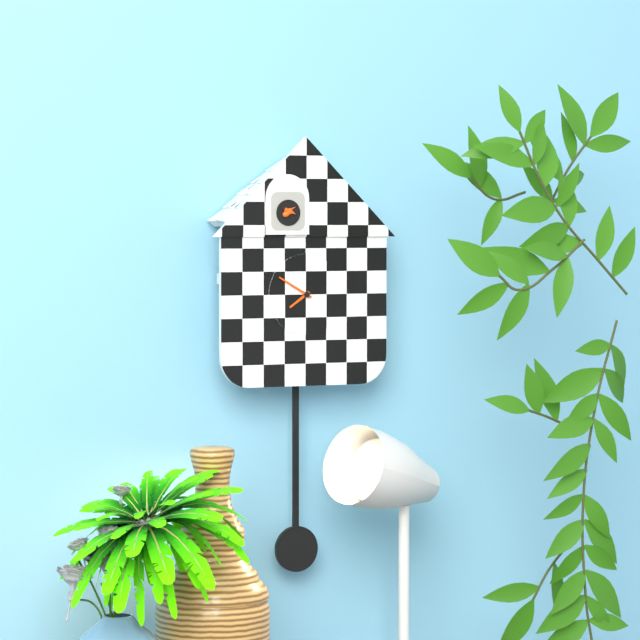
**7:50**
